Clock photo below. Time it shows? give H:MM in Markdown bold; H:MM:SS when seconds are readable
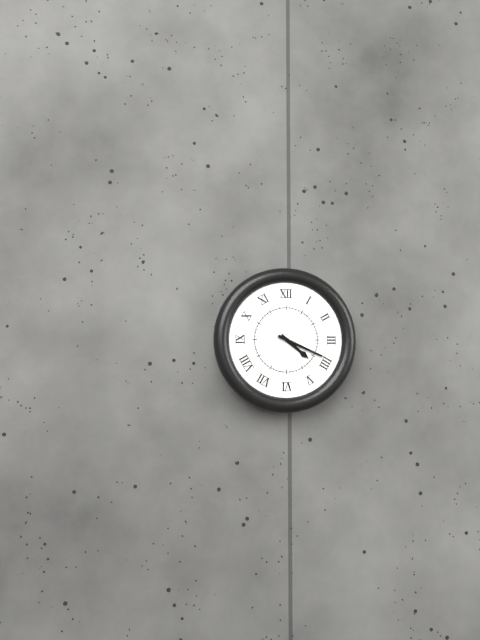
**4:19**
